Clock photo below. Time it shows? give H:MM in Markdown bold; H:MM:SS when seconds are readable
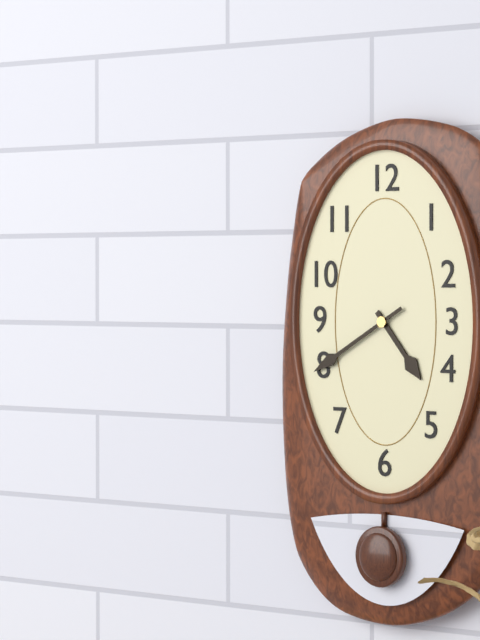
**4:40**
